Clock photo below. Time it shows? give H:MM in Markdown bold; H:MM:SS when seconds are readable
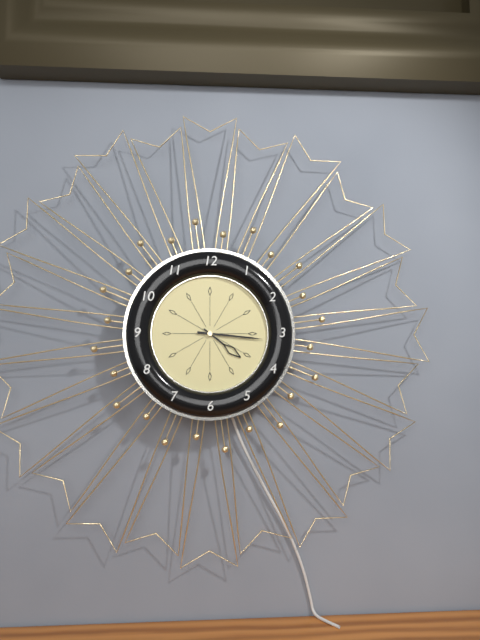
**4:16**
